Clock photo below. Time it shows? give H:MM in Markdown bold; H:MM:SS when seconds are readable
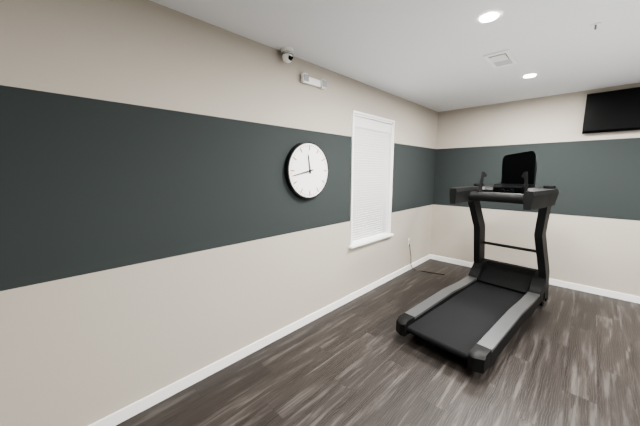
**11:43**
